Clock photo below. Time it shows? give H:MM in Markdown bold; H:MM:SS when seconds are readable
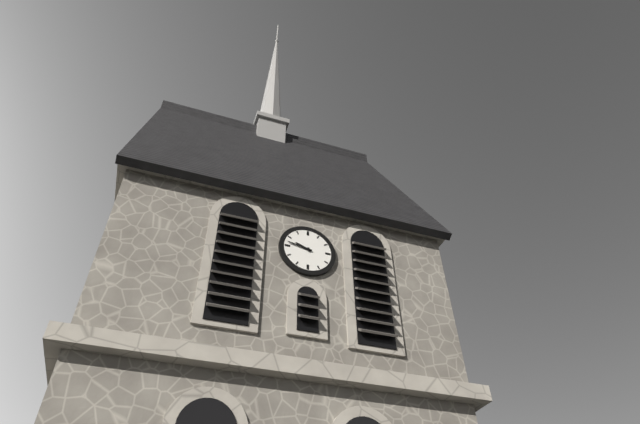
**9:47**
